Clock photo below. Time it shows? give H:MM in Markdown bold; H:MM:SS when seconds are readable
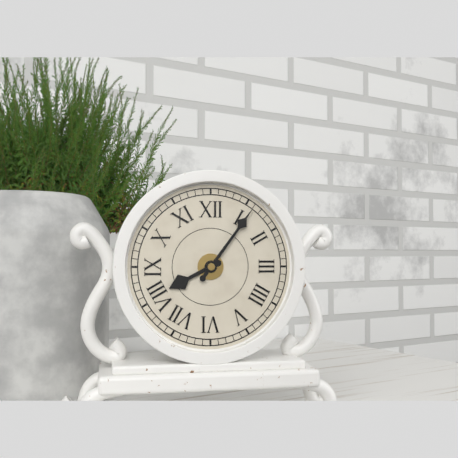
**8:06**
